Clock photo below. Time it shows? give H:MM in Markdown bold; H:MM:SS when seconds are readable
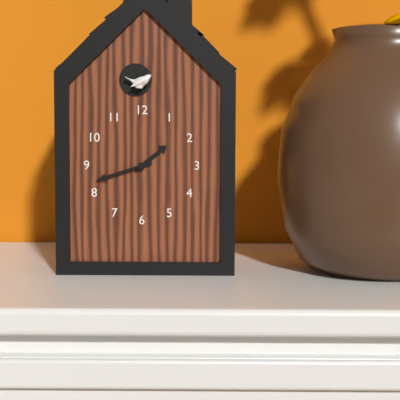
**1:42**
